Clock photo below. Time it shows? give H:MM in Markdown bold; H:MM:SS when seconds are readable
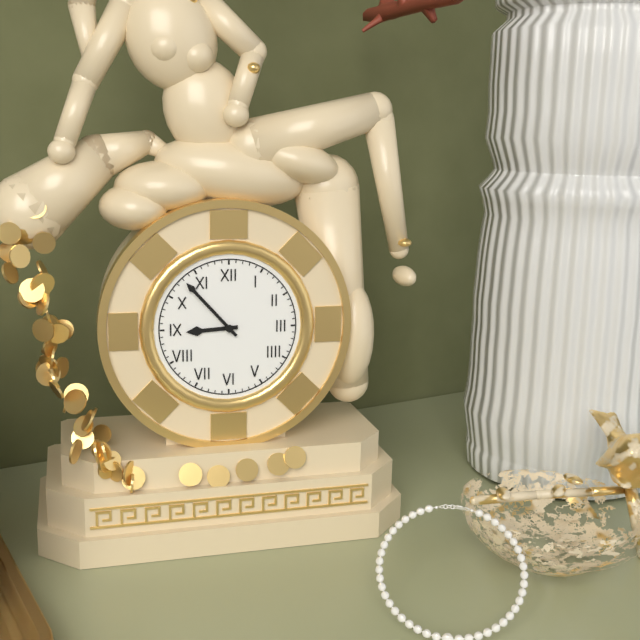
**8:53**
